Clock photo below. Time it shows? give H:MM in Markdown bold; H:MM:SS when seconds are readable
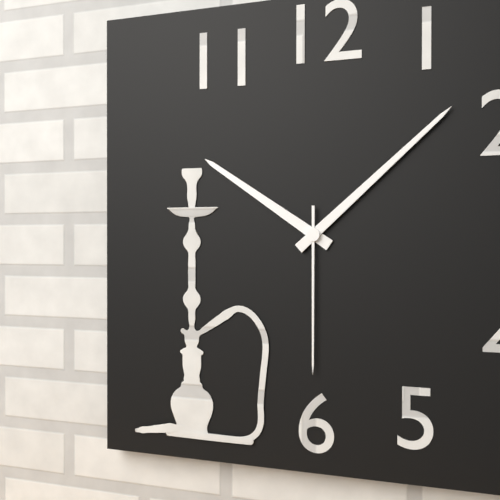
**10:08:30**
